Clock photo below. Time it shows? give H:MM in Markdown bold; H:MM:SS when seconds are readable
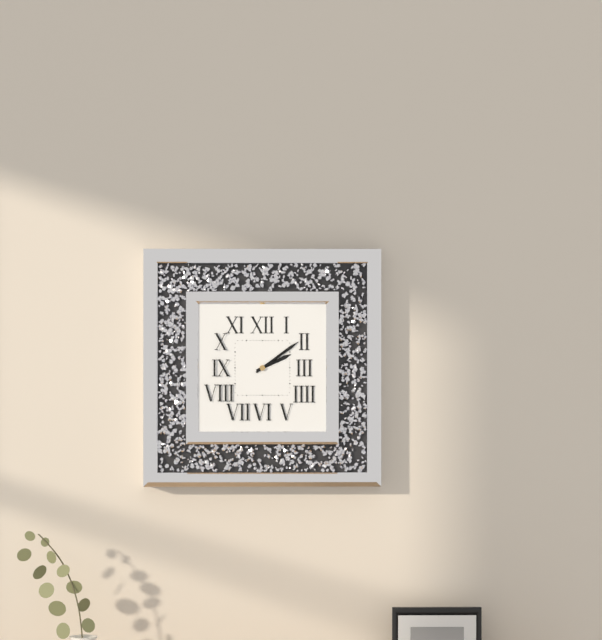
**2:09**
